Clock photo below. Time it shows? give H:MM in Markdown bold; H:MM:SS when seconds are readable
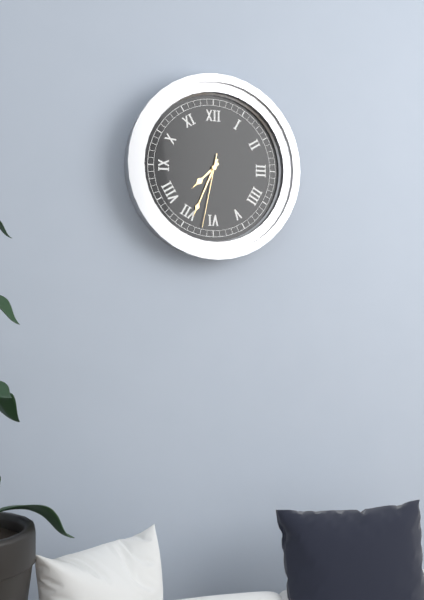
**7:34:32**
